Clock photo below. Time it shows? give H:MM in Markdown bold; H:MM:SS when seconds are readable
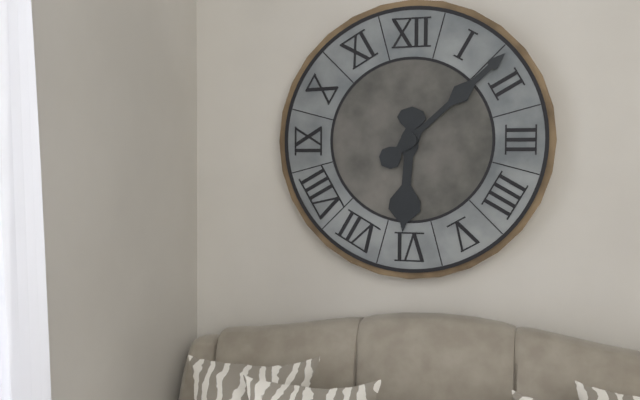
**6:08**
